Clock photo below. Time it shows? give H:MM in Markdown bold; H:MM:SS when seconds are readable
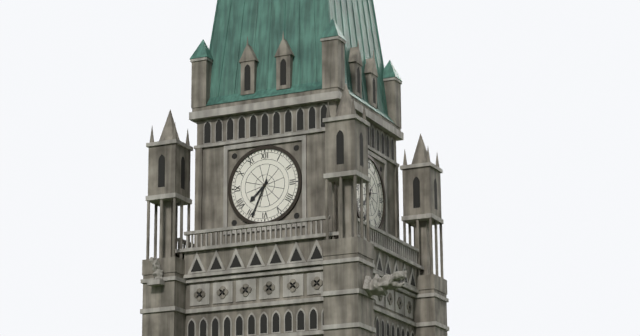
**7:34**
